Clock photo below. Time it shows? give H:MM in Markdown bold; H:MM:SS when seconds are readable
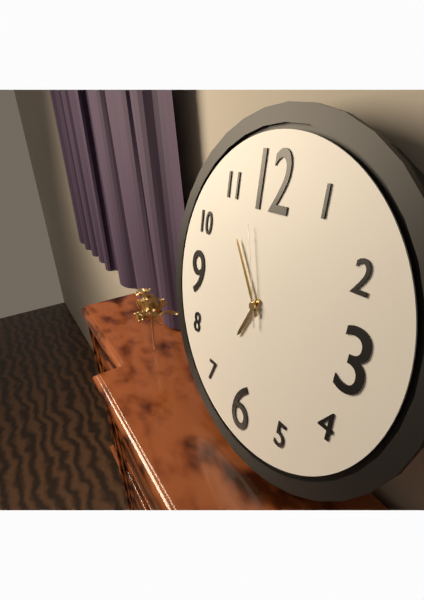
**6:54:57**
